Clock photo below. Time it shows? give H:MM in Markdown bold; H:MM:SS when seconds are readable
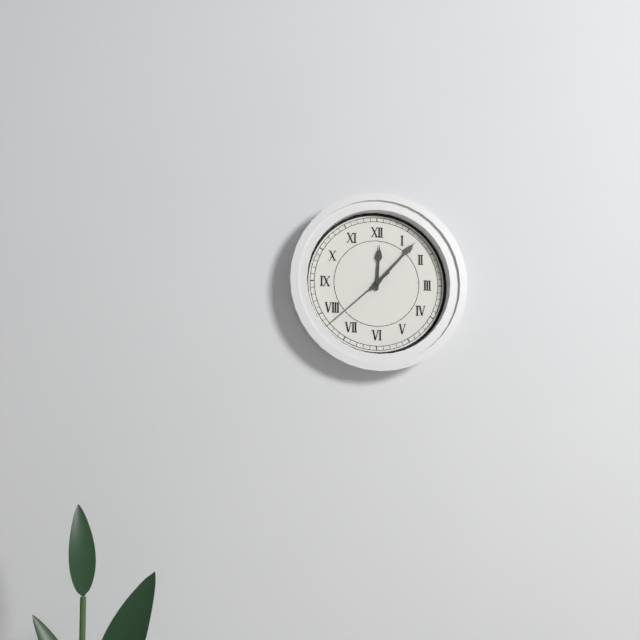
**12:07:38**
